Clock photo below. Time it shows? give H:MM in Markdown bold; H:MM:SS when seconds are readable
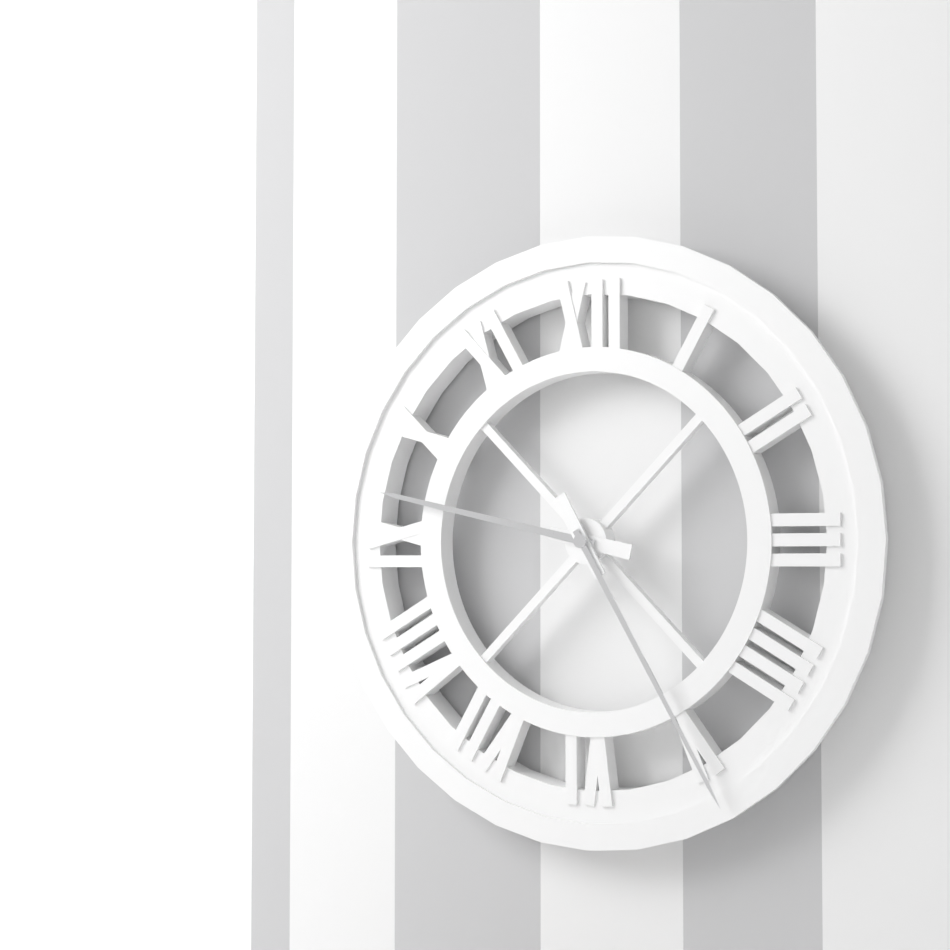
**9:25**
